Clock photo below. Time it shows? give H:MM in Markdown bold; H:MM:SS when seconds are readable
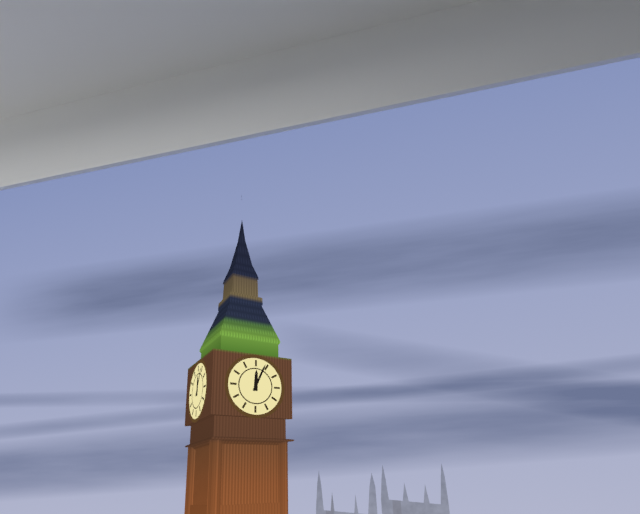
**12:04**
